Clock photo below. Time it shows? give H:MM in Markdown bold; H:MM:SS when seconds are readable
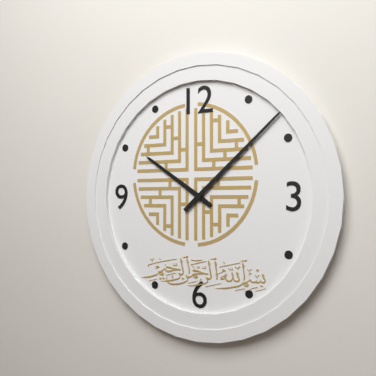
**10:08**
